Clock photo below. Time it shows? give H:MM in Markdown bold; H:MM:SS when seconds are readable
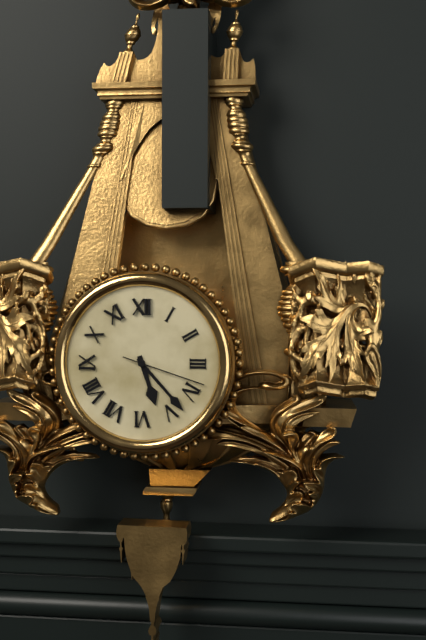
**5:23:18**
